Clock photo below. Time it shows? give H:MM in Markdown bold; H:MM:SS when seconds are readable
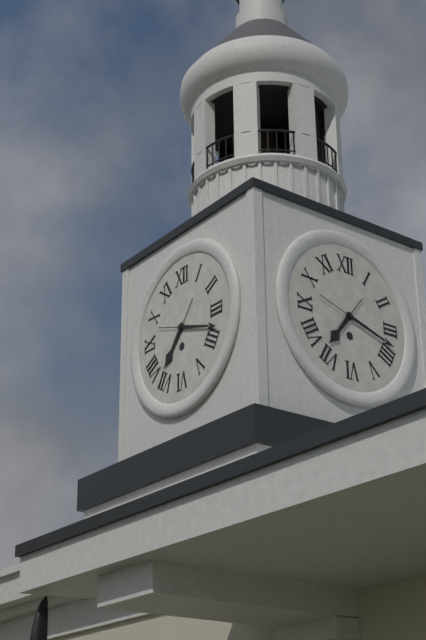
**7:18**
